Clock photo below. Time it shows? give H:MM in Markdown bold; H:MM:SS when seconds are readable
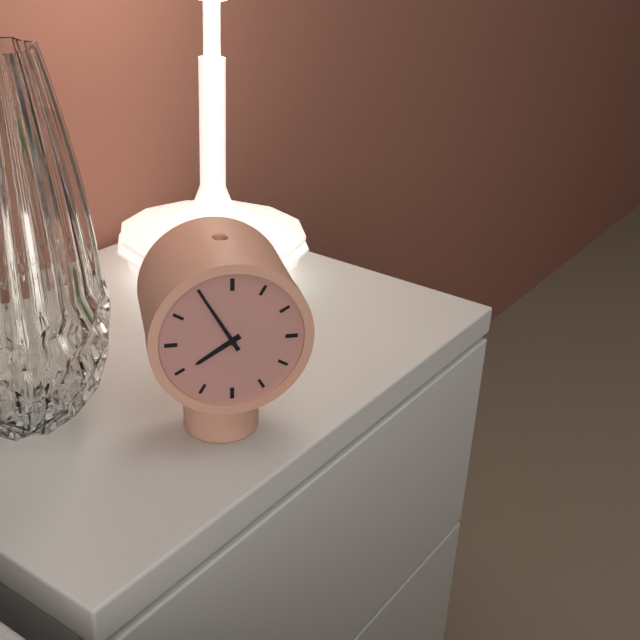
**7:55**
